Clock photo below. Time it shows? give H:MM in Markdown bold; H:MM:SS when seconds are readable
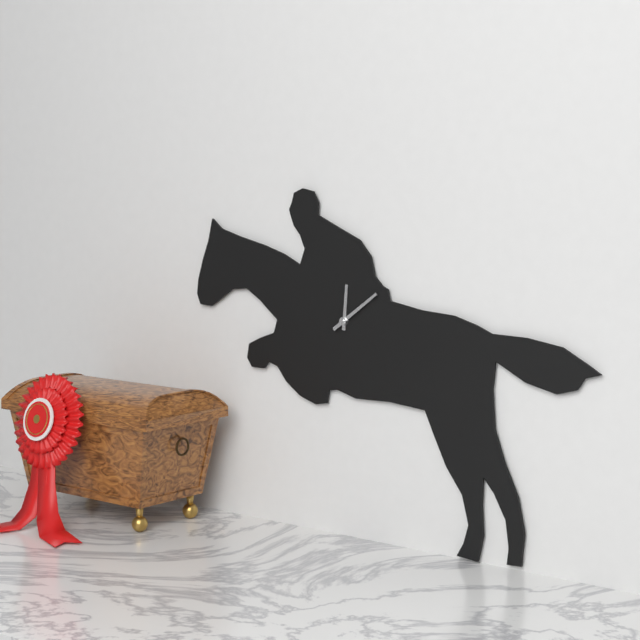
**12:09**
